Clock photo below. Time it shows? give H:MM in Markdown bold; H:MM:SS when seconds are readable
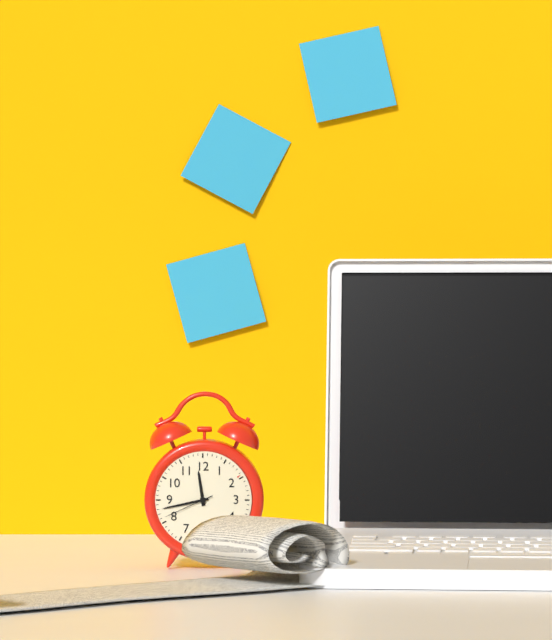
**11:43:41**
